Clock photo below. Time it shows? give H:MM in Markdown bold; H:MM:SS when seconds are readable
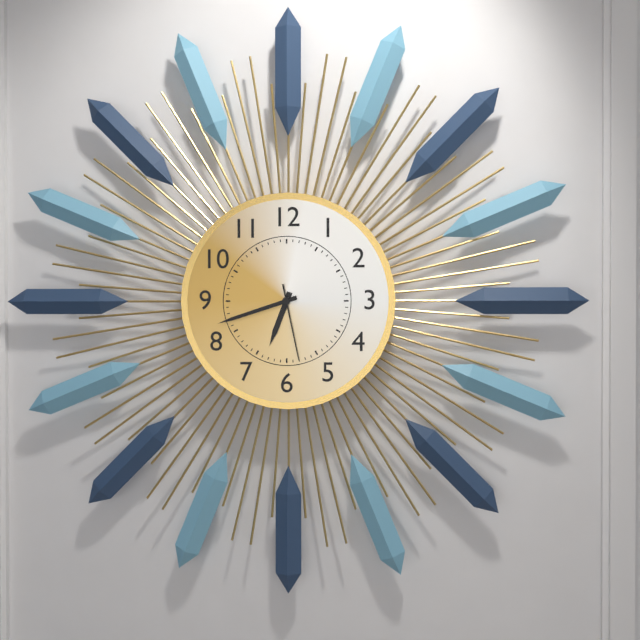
**6:42:28**
